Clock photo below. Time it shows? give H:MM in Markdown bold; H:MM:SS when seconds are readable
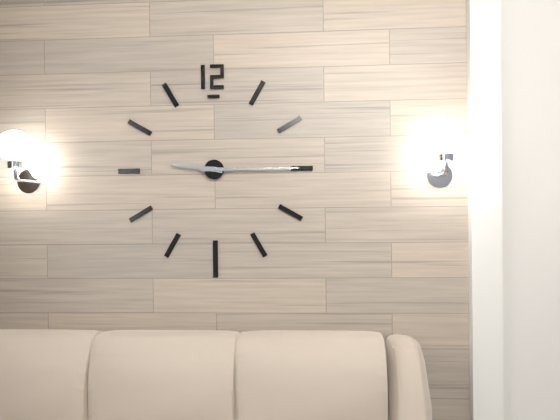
**9:15**
